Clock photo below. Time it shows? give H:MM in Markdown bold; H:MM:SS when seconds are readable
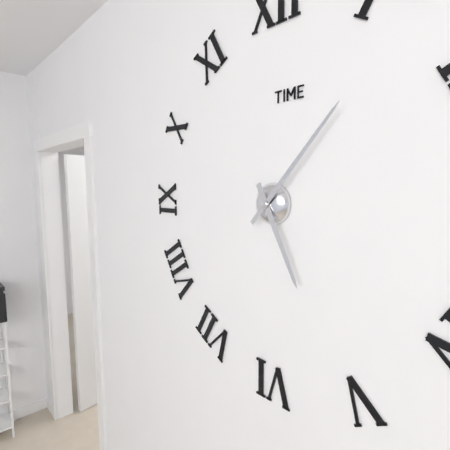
**5:07**
